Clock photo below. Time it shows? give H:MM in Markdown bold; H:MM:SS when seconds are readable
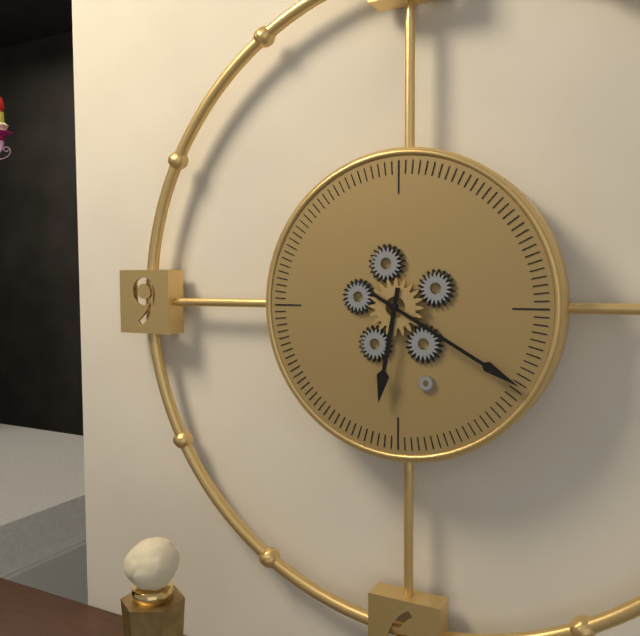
**6:20**
